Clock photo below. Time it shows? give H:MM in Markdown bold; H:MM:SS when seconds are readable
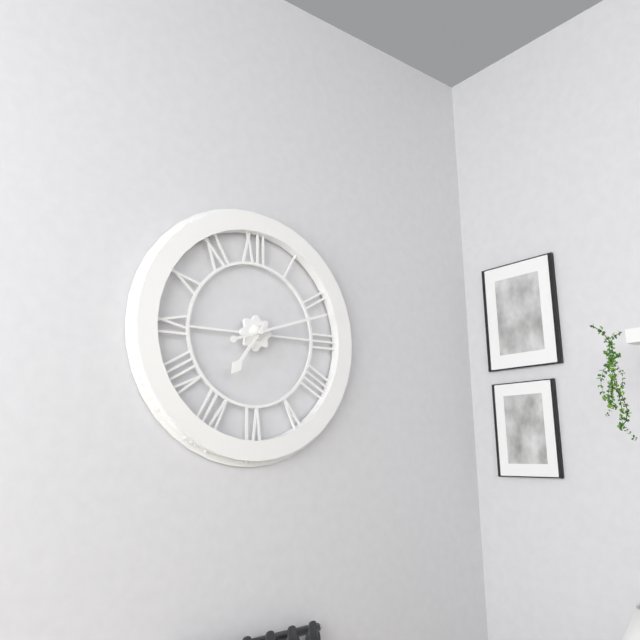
**7:12**
